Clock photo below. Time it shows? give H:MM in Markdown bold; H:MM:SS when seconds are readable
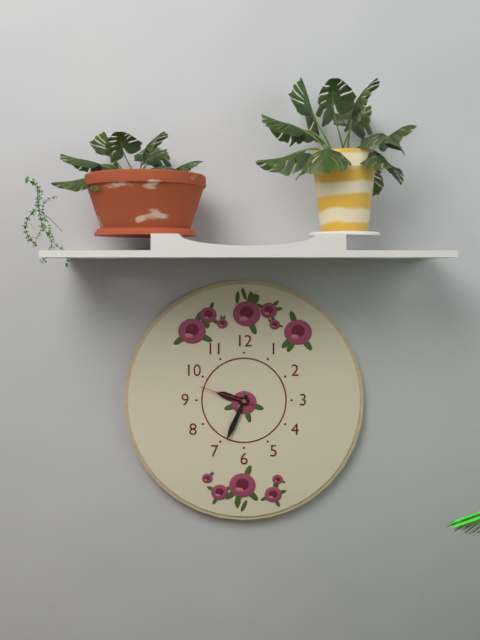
**9:34:48**
